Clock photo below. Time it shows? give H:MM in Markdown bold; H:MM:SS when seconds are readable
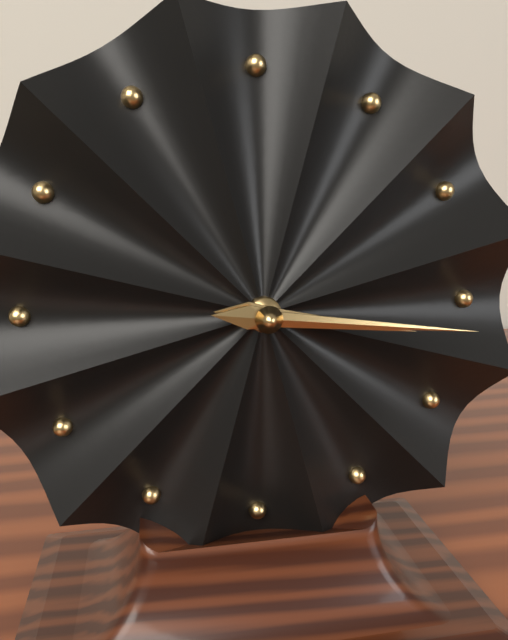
**3:16**
